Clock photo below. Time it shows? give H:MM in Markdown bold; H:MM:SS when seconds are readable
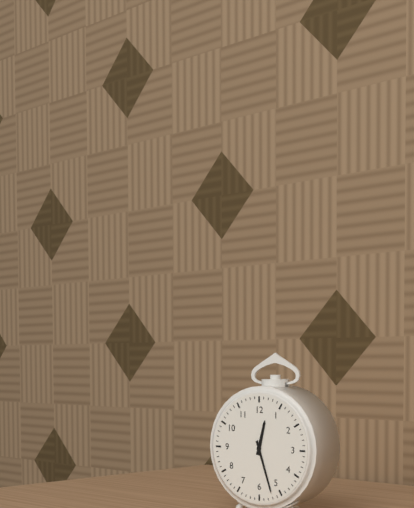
**12:27**
